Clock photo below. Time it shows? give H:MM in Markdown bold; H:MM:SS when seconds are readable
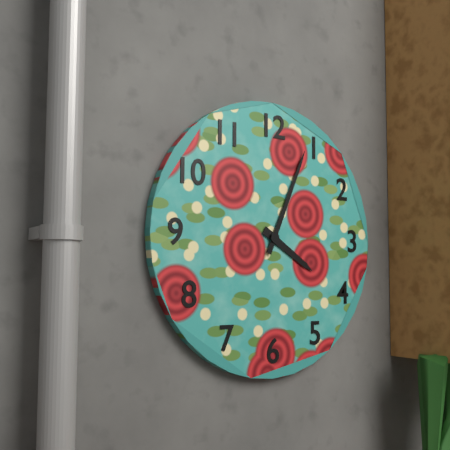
**4:04**
